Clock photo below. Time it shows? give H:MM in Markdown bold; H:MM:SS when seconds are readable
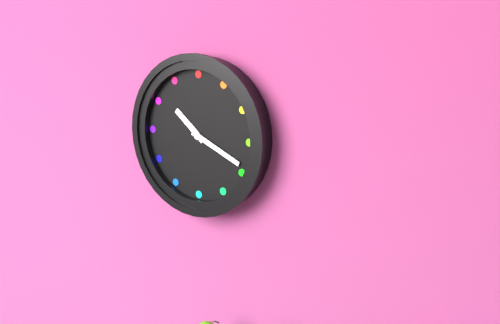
**10:19**
